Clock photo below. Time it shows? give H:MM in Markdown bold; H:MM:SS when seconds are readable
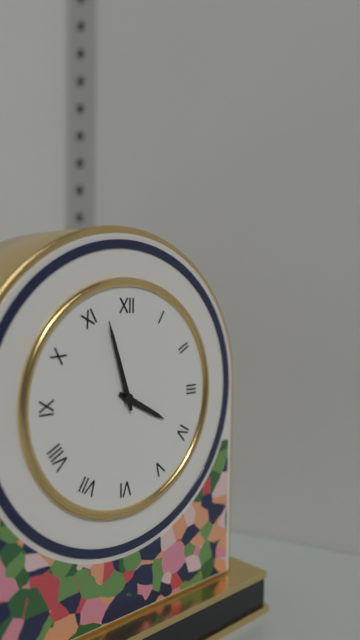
**3:57**
